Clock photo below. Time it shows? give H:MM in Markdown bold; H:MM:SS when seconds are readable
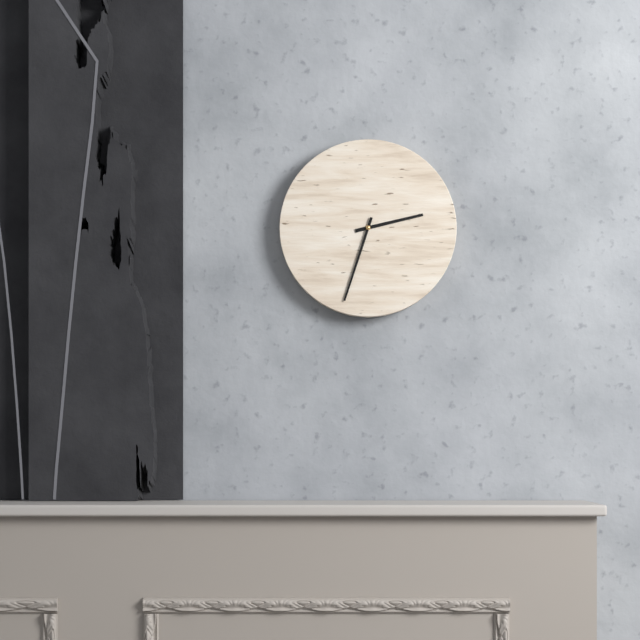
**2:33**
